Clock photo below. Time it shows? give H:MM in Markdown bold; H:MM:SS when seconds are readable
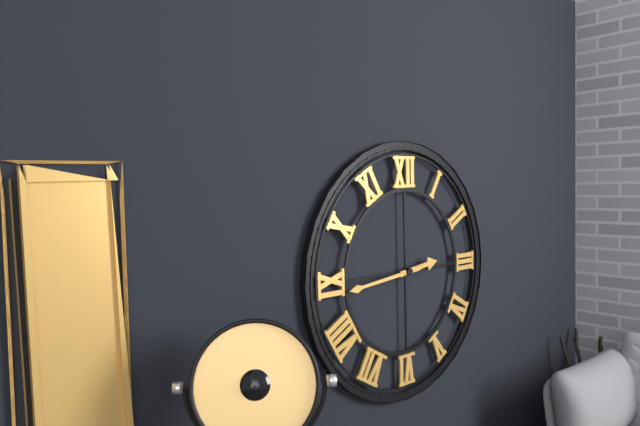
**2:44**
